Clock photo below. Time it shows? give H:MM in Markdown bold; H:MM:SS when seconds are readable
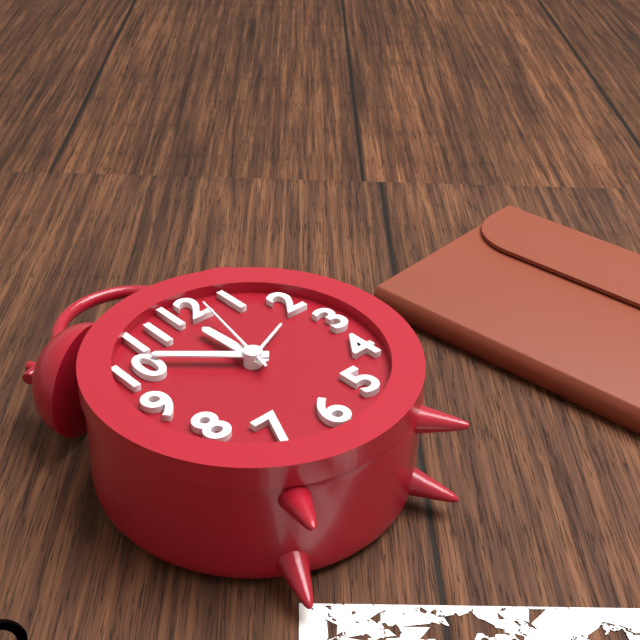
**11:52:02**
